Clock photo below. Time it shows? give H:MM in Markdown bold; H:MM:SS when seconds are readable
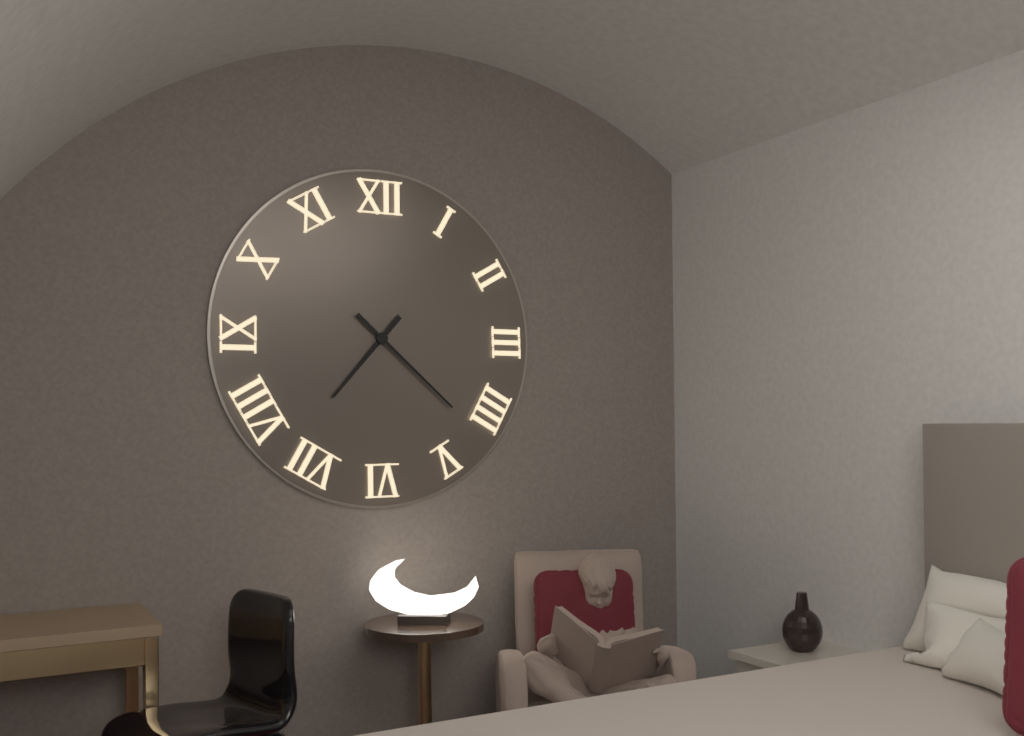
**7:22**
